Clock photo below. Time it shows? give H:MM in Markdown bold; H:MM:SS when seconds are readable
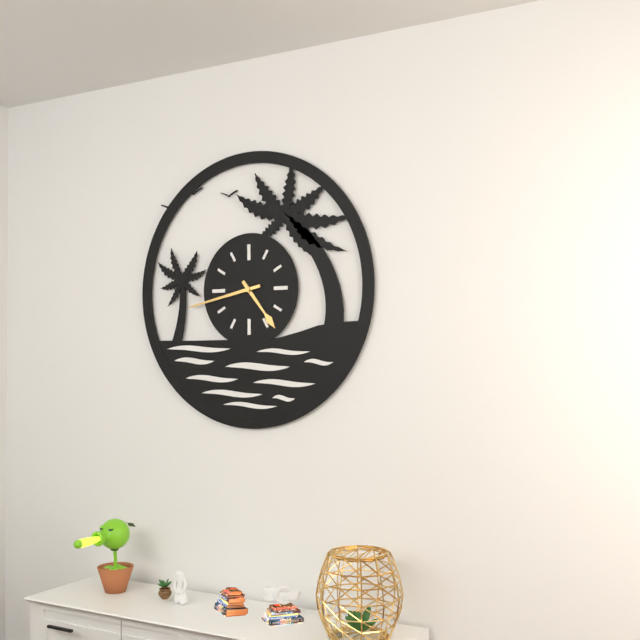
**4:43**
